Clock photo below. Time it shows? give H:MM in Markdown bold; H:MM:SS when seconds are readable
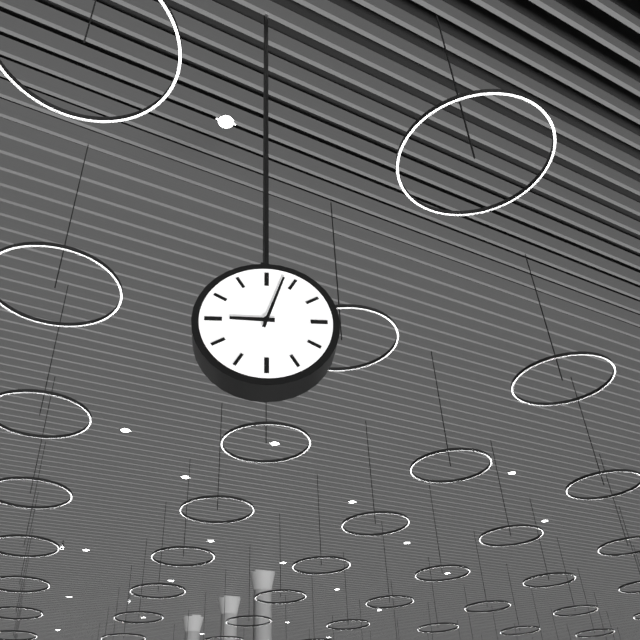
**9:03**
